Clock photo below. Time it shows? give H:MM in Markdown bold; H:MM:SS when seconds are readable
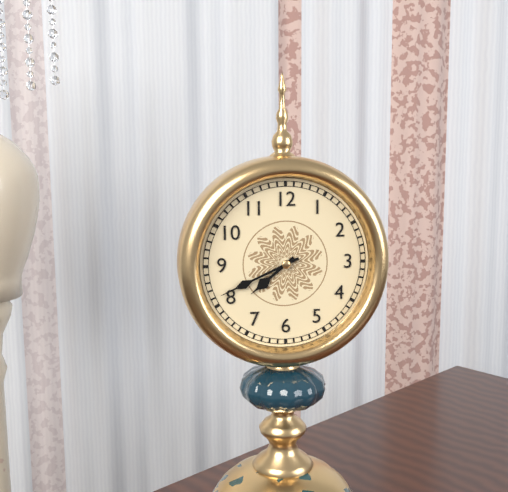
**7:41**
